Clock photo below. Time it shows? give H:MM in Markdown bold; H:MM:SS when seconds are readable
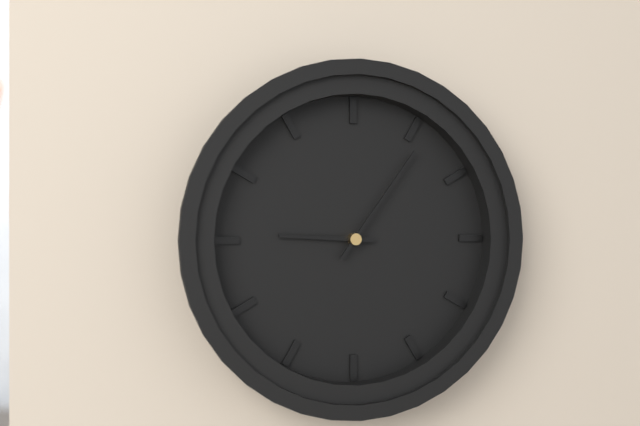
**9:06**
